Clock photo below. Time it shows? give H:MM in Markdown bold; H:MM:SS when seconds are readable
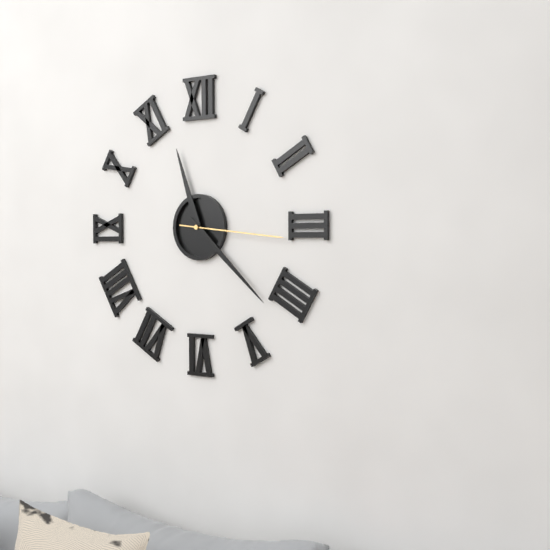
**11:22:16**
